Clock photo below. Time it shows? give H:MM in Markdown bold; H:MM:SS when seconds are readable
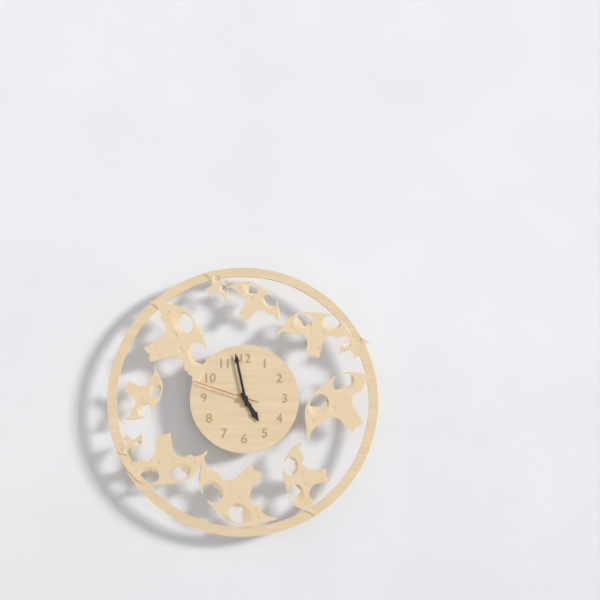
**4:58:48**
